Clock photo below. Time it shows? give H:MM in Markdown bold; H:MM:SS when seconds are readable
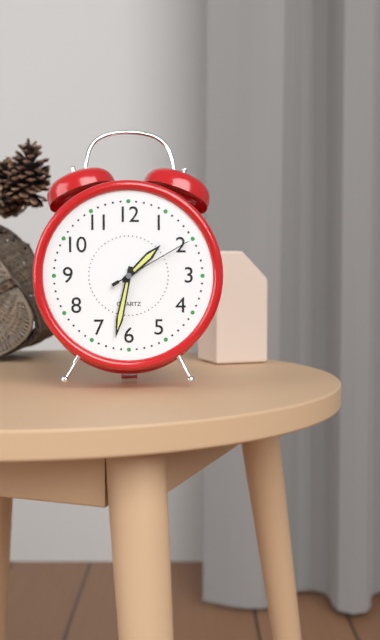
**1:32:10**
